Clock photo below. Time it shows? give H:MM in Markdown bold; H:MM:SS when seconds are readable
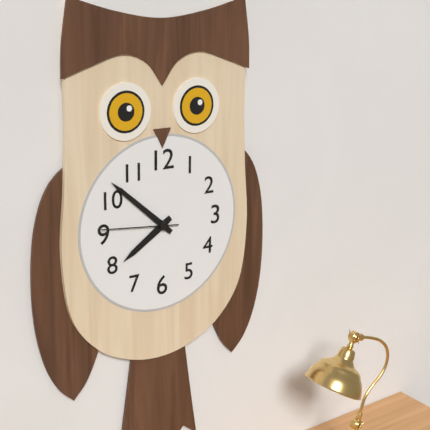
**7:52:46**
